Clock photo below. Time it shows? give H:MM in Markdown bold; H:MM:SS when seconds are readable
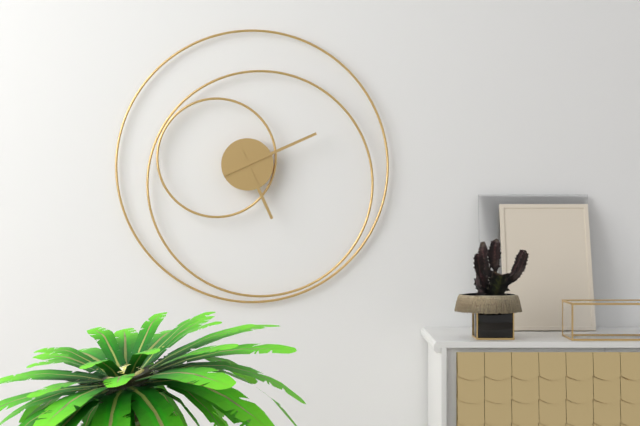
**5:11**
